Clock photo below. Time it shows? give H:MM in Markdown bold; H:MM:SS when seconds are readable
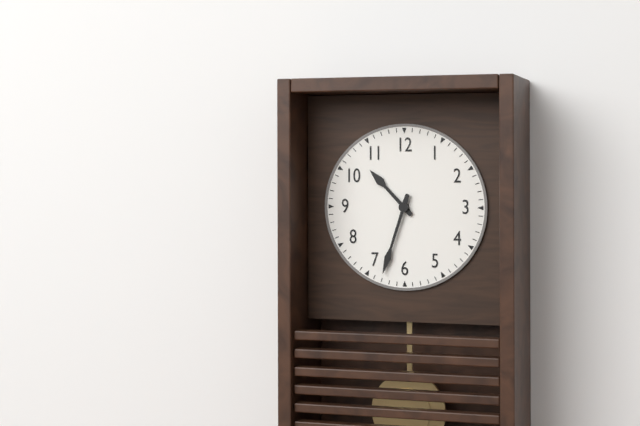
**10:33**
